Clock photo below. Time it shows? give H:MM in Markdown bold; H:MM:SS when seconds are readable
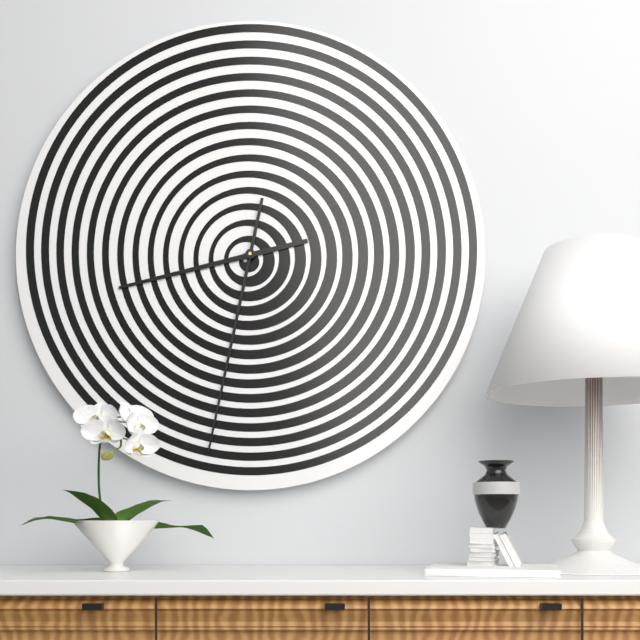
**8:32**
